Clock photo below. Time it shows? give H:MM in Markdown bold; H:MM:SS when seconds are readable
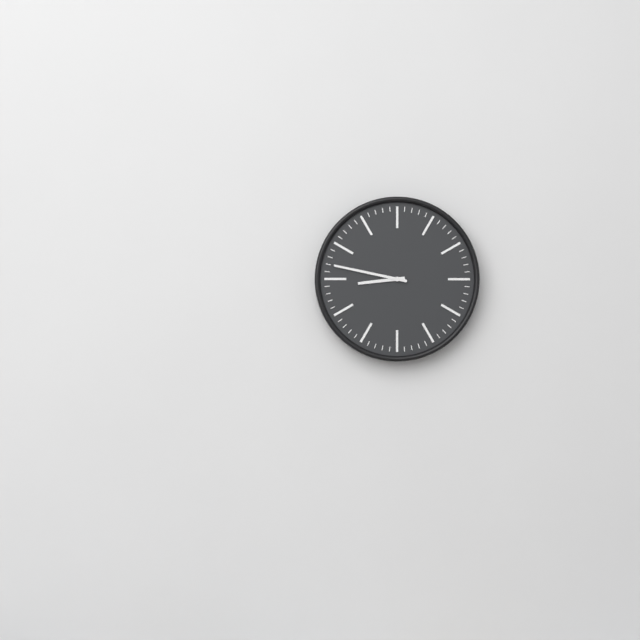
**8:47**
